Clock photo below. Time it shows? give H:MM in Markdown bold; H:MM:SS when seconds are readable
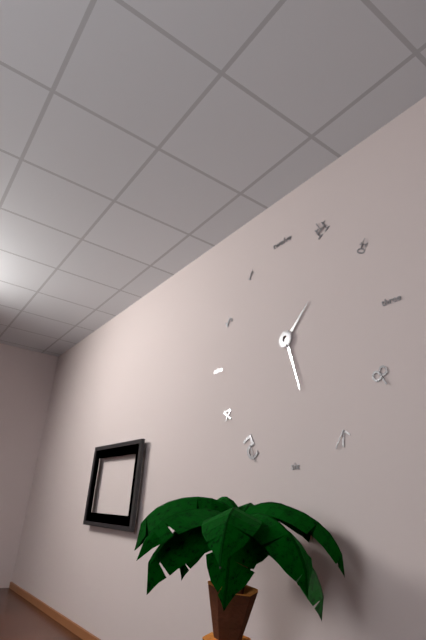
**1:27**
